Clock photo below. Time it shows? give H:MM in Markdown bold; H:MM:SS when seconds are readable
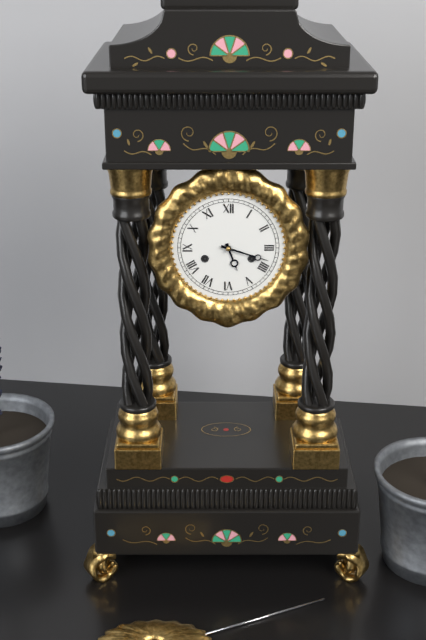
**5:18**
